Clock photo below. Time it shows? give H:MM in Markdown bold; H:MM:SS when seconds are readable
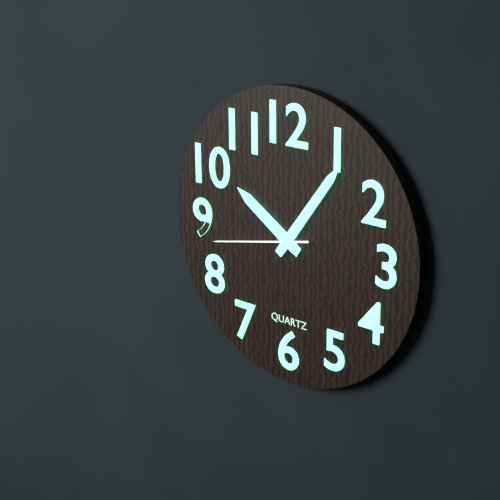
**10:06:43**
